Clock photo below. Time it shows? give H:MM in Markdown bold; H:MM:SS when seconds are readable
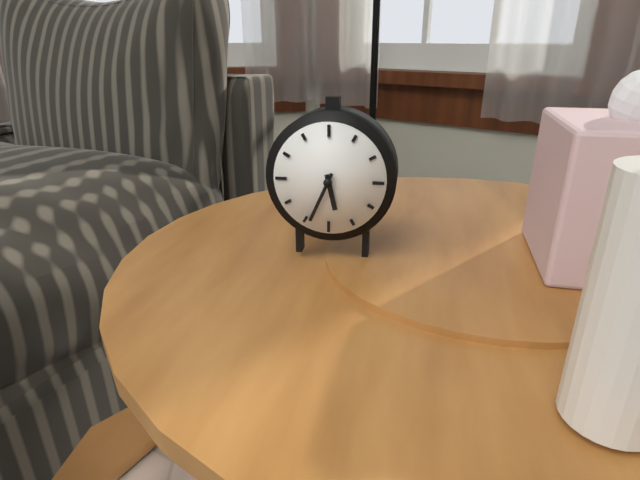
**5:34**
